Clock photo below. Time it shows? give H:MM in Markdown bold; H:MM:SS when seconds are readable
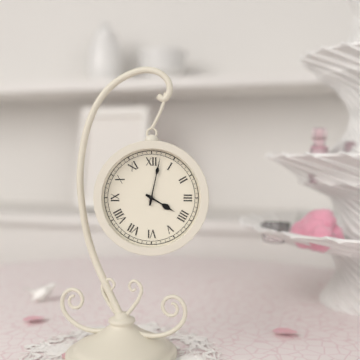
**4:02**
